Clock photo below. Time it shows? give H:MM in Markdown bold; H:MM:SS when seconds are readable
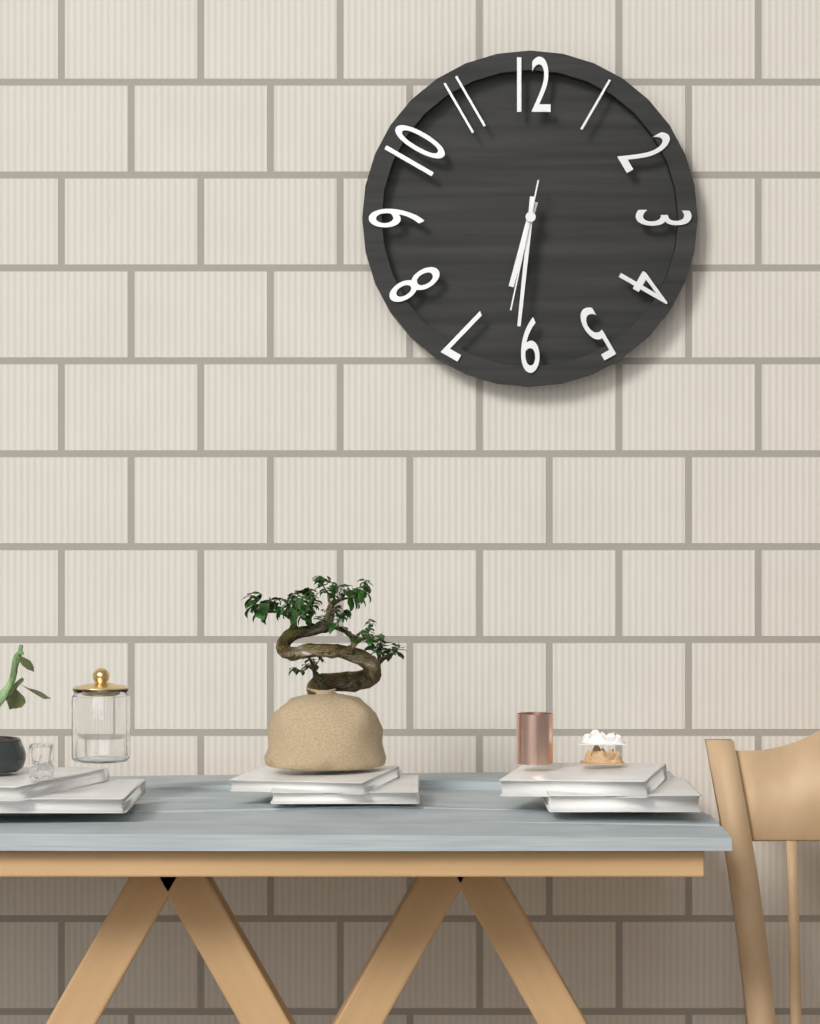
**6:31:32**
